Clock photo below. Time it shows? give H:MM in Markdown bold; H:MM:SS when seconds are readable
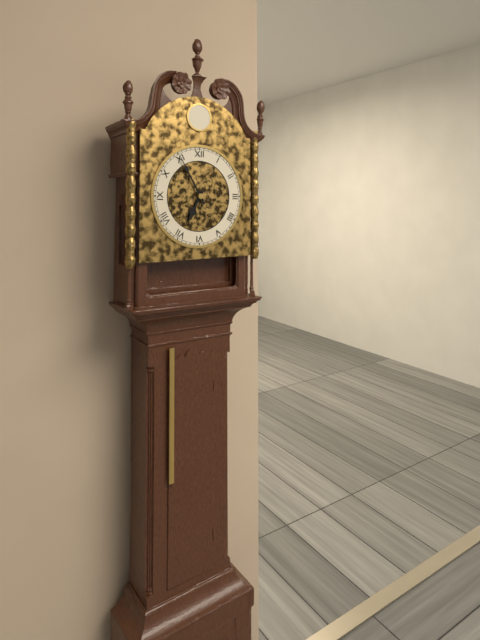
**6:55**
